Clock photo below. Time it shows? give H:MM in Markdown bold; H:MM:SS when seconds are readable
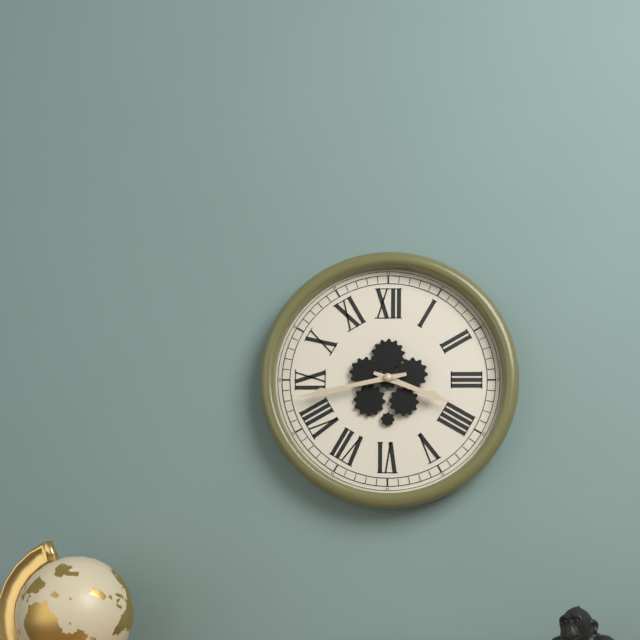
**3:43**
